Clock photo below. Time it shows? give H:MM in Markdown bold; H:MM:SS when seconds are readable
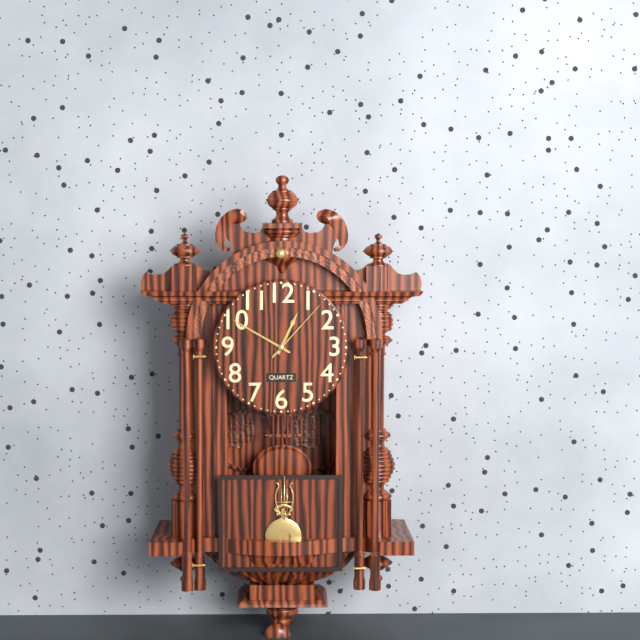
**12:50:07**
